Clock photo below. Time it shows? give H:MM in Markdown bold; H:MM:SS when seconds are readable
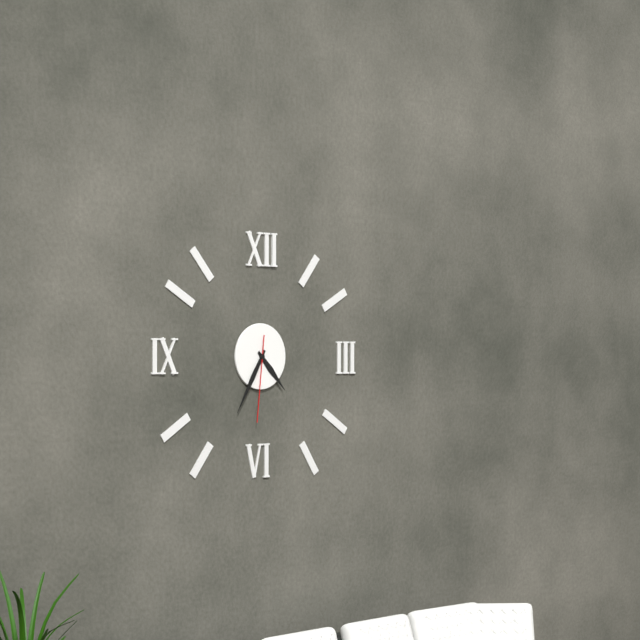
**4:35:31**
